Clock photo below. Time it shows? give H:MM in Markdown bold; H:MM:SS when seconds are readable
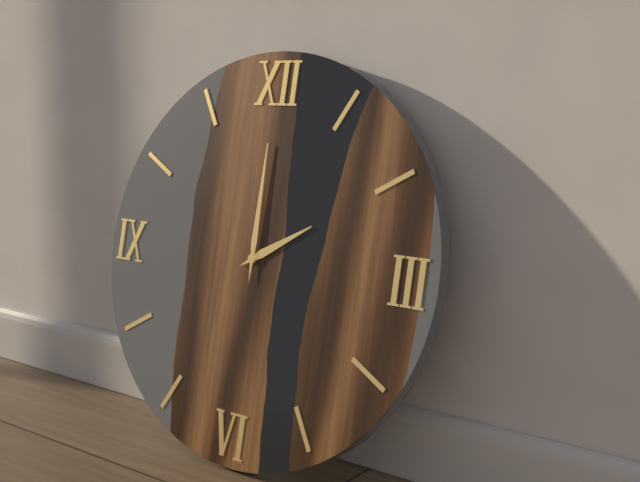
**2:00**
